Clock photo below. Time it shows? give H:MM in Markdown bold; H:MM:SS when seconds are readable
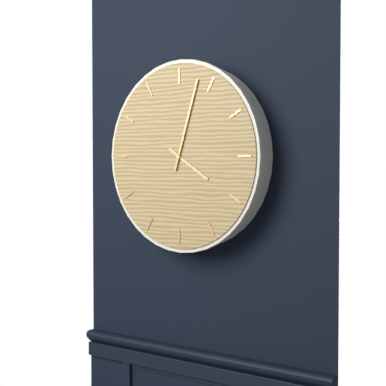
**4:03**
